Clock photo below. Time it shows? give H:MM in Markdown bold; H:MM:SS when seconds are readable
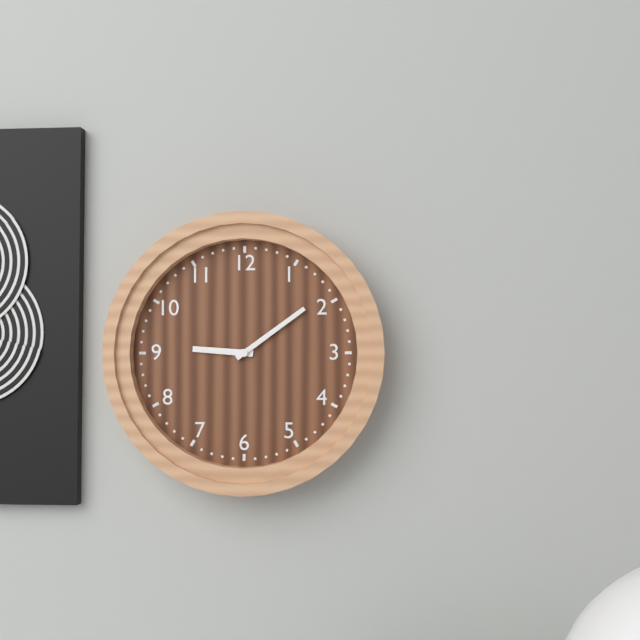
**9:09**
